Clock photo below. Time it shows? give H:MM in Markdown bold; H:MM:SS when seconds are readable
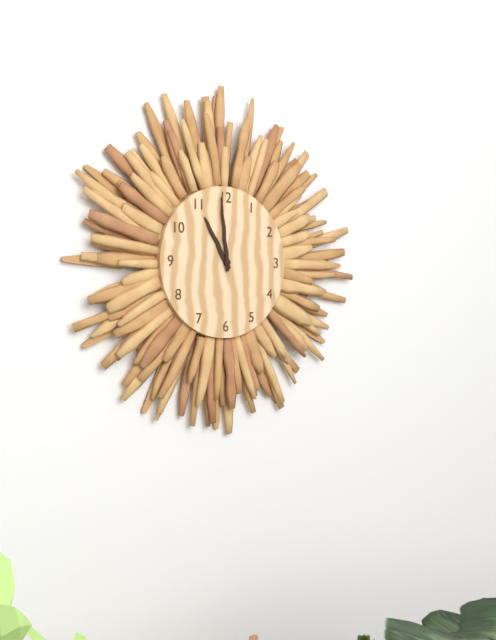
**10:59**
